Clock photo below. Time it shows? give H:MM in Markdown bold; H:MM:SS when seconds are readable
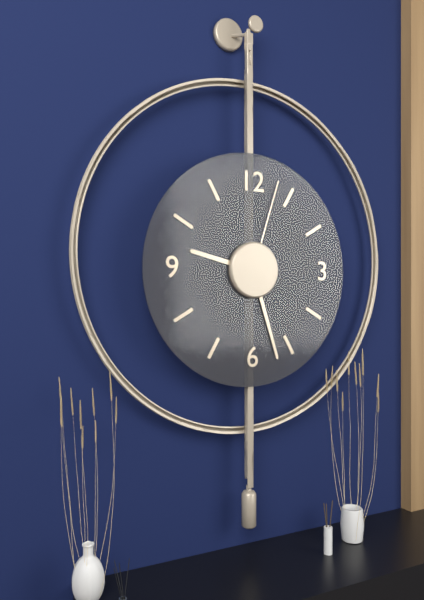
**9:27:03**
